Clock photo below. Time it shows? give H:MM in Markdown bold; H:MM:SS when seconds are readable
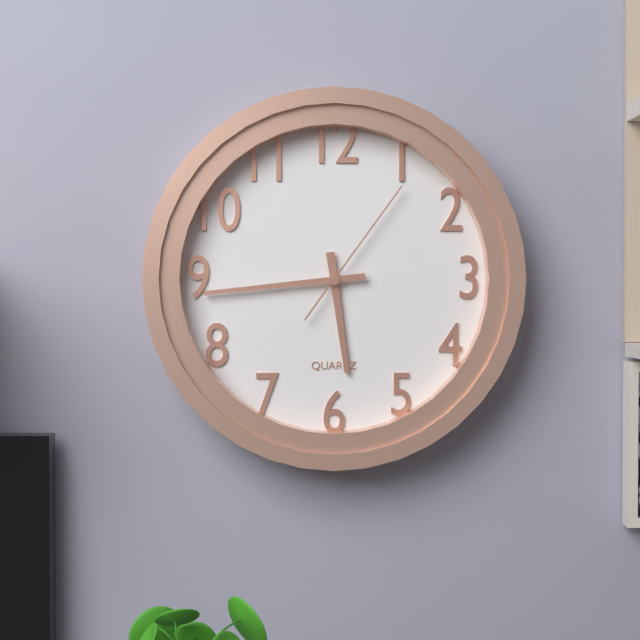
**5:44:06**
